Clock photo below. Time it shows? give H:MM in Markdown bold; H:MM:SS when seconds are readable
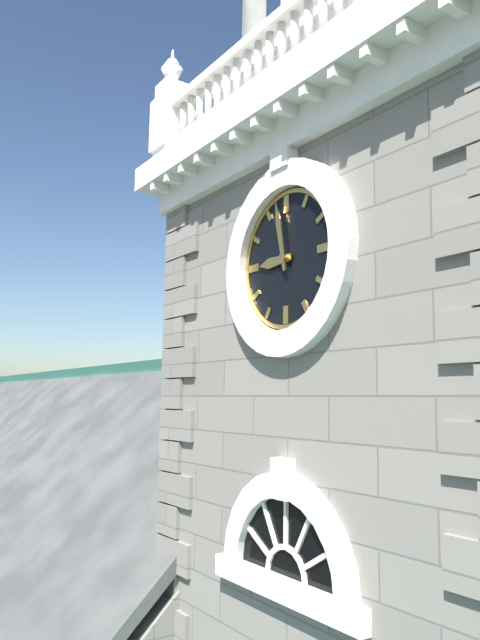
**8:58**
